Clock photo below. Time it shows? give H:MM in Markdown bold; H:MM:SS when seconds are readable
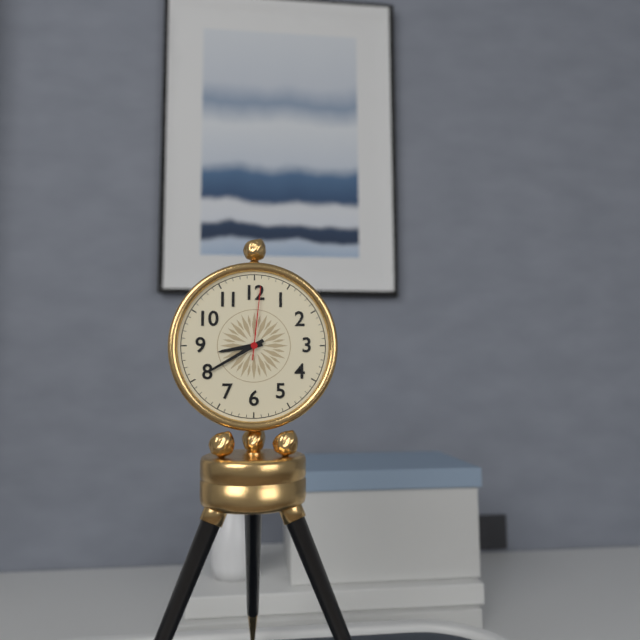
**8:40:01**
